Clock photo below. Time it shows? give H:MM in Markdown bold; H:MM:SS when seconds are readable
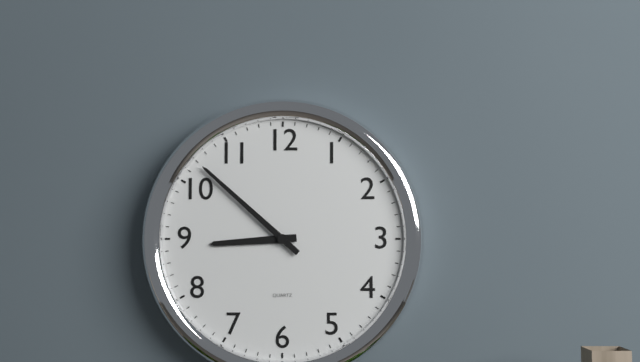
**8:52**
